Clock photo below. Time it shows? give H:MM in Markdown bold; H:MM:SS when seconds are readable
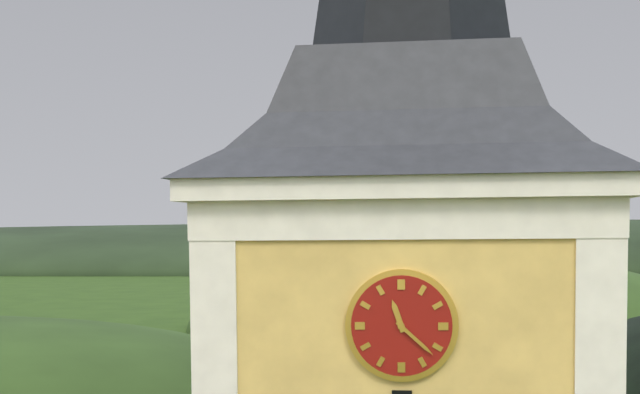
**11:22**
